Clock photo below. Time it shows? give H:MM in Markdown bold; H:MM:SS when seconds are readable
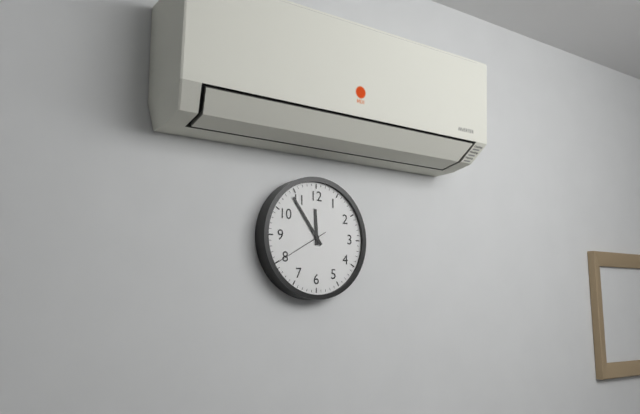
**11:54**
